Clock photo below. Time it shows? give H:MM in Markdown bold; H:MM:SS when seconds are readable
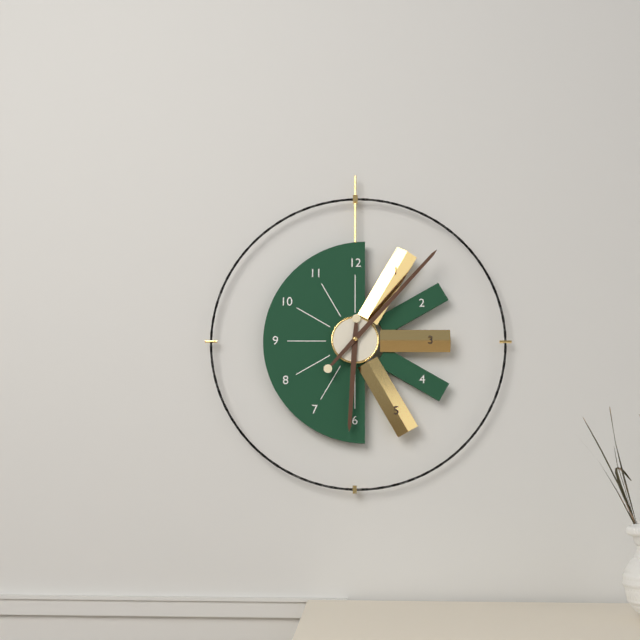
**6:07**
